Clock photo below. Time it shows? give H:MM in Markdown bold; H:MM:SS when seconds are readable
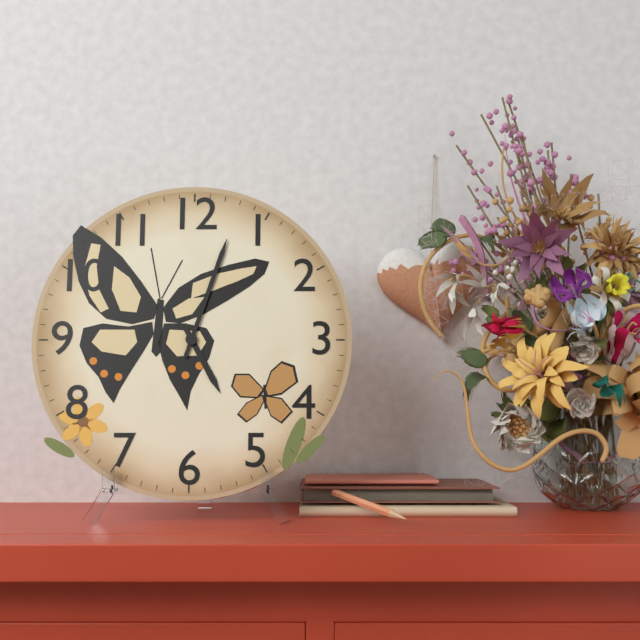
**5:03**
